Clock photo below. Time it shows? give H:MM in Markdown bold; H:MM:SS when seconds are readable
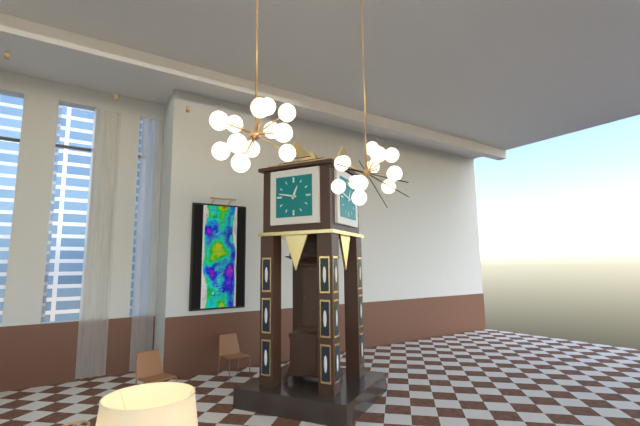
**12:47**
